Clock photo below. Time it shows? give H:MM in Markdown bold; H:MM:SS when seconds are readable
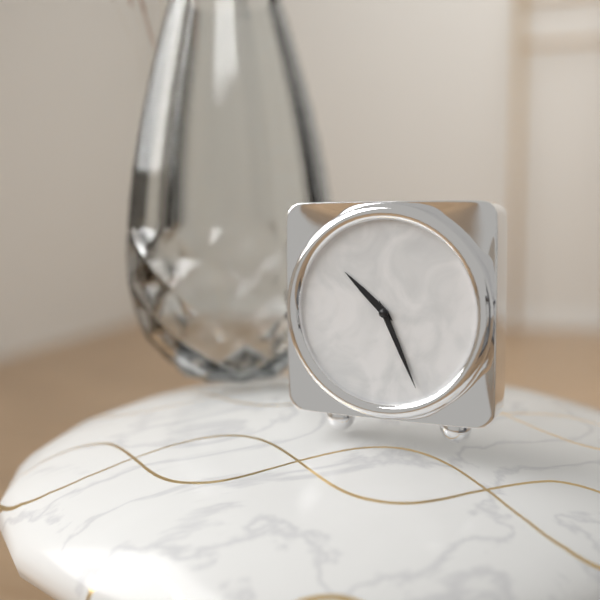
**10:26**
